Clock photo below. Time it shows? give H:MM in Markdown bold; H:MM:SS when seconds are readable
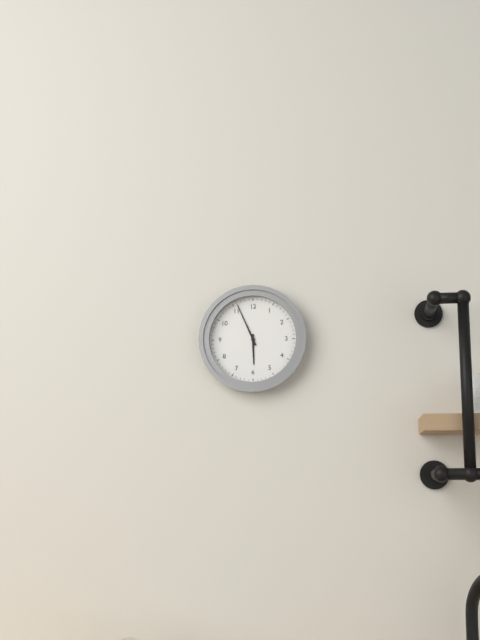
**5:56**
